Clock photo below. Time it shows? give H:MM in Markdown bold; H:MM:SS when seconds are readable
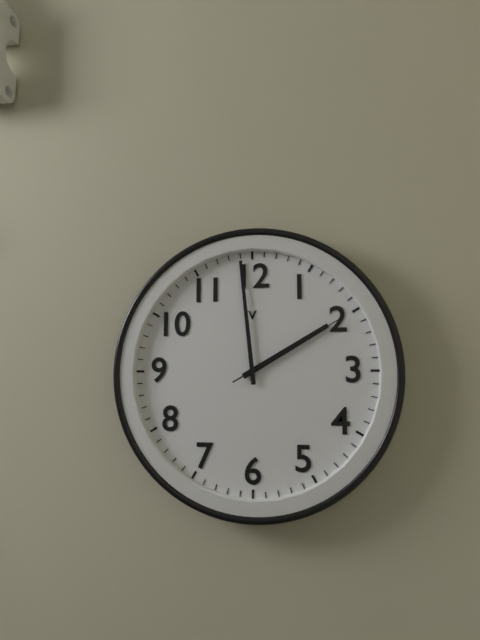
**1:59:10**
